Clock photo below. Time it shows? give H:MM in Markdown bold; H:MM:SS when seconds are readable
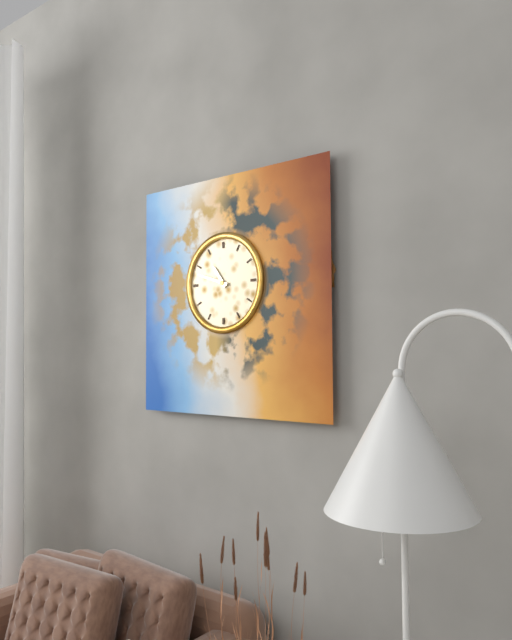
**10:48**
